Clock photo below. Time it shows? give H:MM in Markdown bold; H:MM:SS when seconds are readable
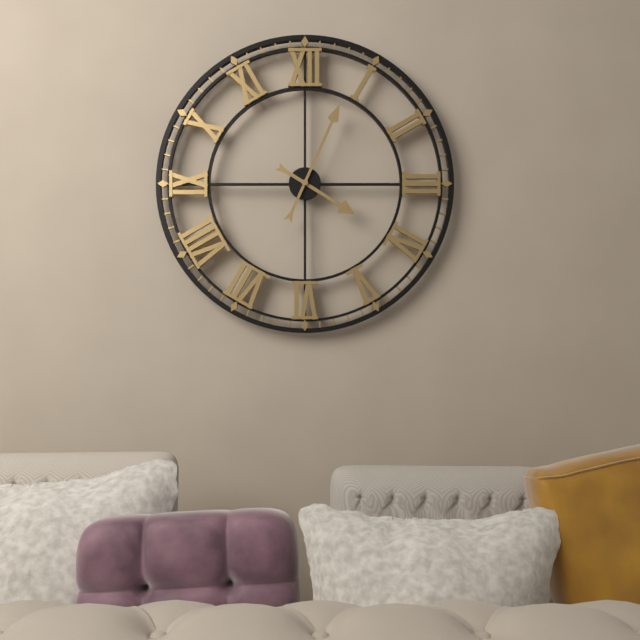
**4:04**
